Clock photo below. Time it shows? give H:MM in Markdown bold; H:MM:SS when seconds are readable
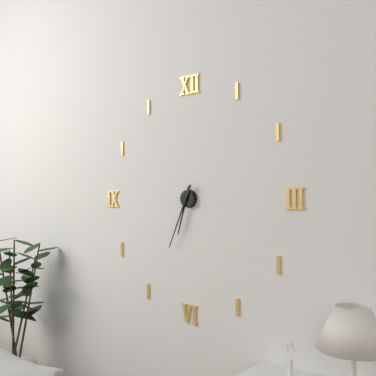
**6:34**
